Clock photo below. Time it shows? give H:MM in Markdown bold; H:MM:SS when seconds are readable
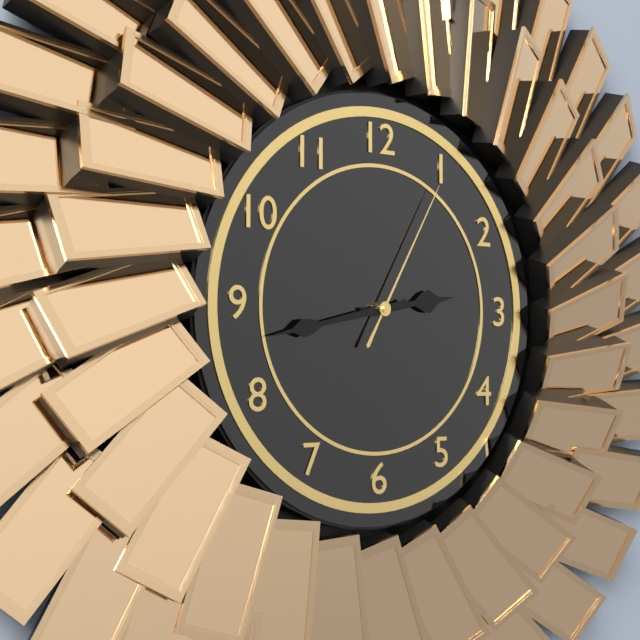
**2:43:05**
